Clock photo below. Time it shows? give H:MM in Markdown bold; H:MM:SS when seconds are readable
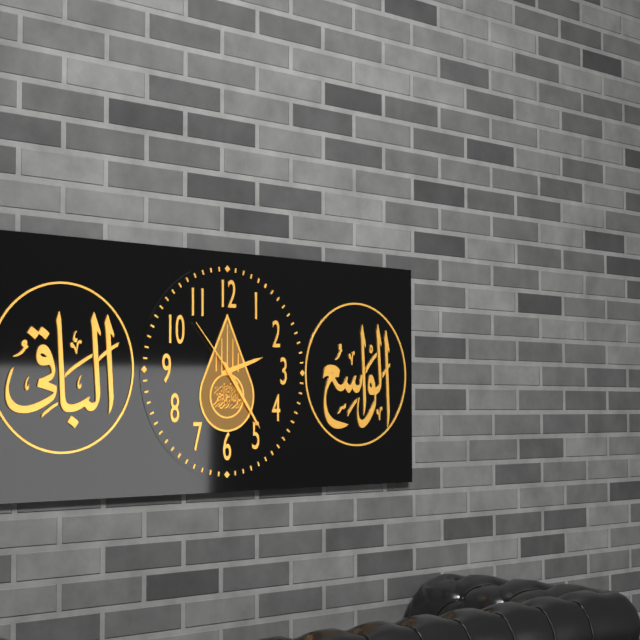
**2:24:53**
